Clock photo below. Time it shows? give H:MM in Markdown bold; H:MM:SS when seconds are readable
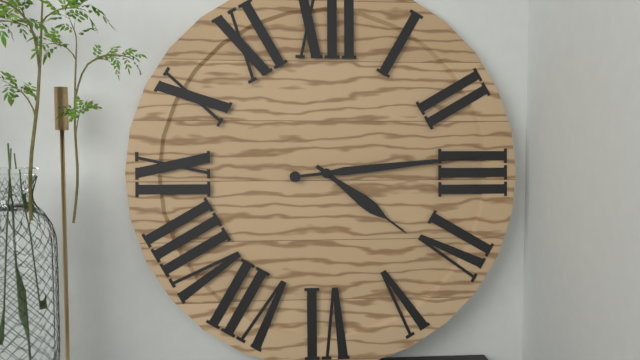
**4:14**
